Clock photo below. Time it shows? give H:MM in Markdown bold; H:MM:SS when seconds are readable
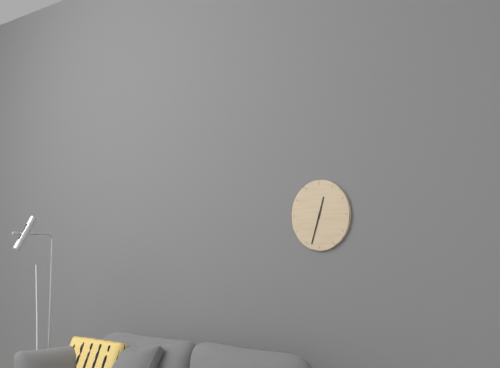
**12:33**
